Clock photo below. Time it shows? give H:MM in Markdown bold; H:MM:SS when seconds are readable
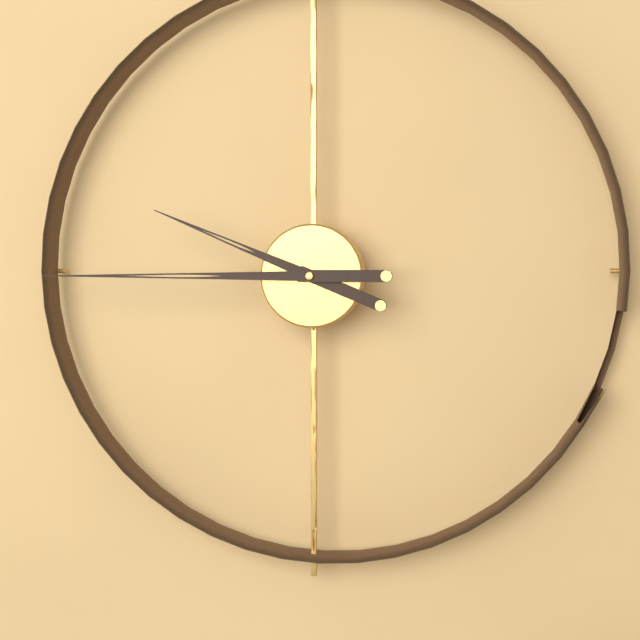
**9:45**
